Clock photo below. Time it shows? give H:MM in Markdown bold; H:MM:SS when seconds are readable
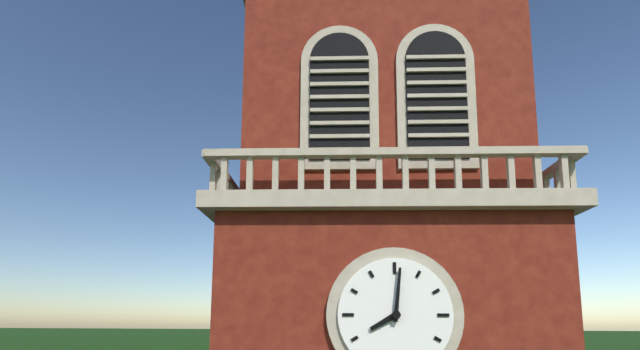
**8:01**
